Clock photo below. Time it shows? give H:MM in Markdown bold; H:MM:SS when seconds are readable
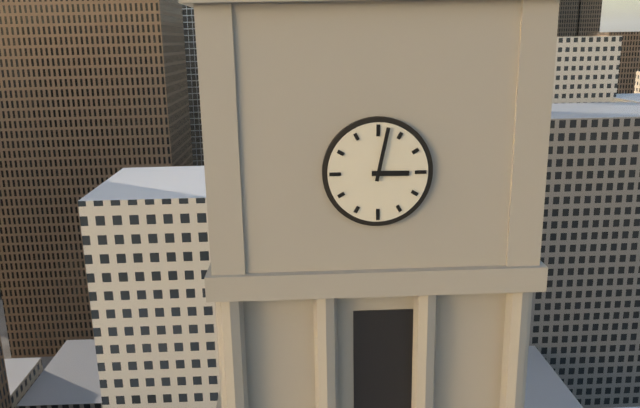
**3:02**
